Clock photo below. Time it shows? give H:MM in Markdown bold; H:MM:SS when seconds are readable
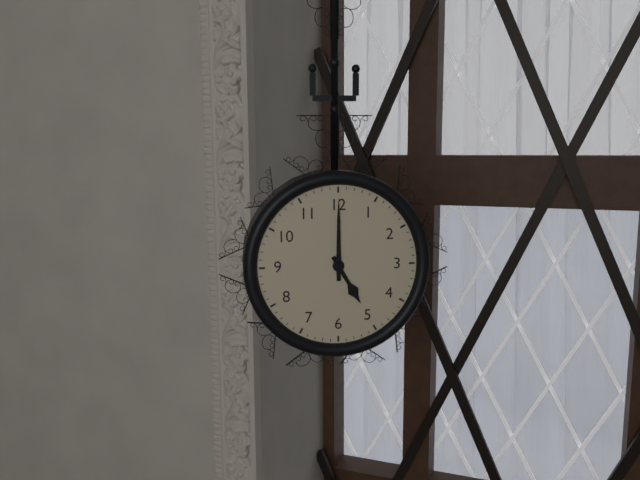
**5:00**
